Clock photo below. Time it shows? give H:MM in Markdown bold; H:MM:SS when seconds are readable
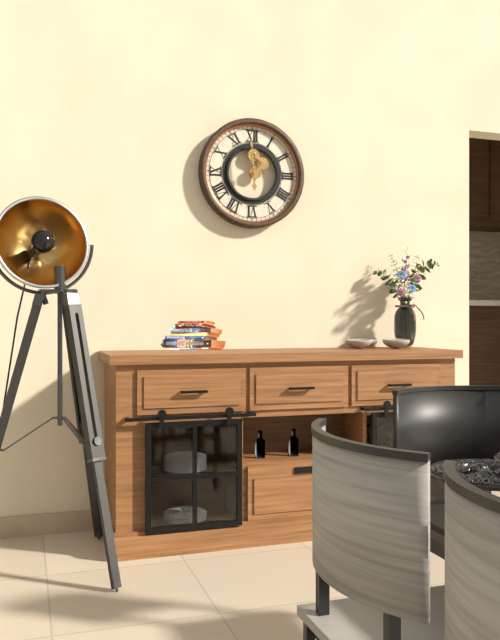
**5:59**
